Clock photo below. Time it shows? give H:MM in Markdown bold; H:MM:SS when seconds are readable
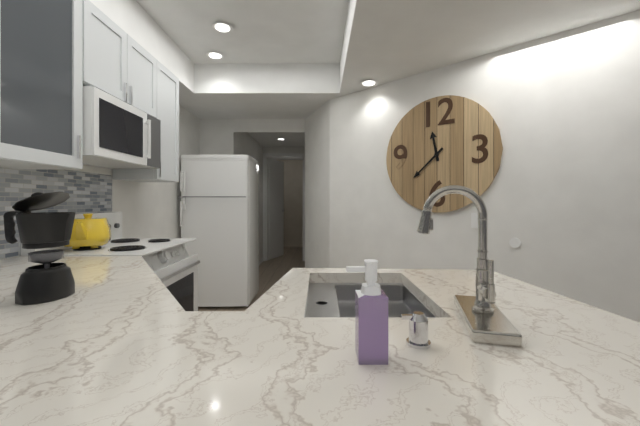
**11:38**
